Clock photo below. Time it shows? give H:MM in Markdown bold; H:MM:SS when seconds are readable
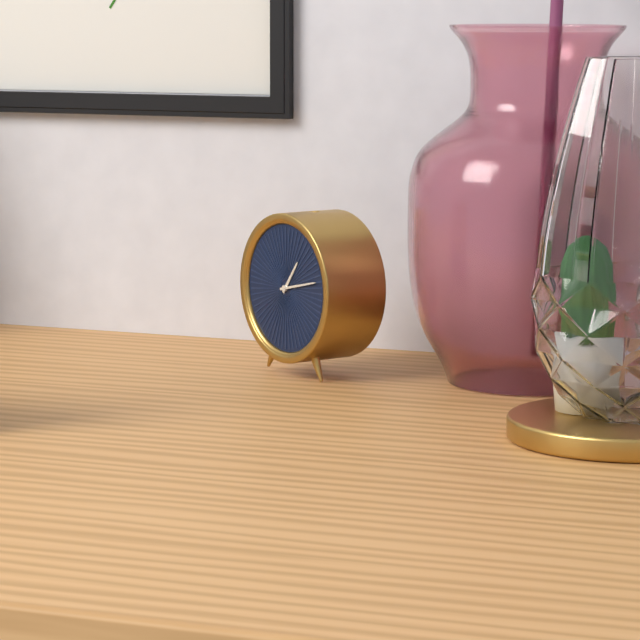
**1:13**
